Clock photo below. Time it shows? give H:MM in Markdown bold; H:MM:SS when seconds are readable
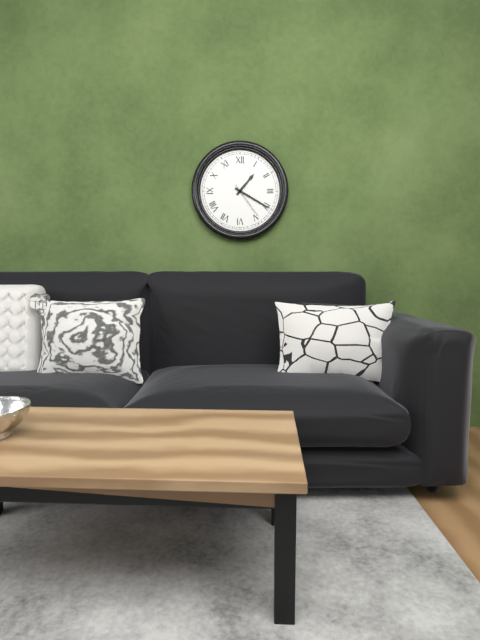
**1:20**
